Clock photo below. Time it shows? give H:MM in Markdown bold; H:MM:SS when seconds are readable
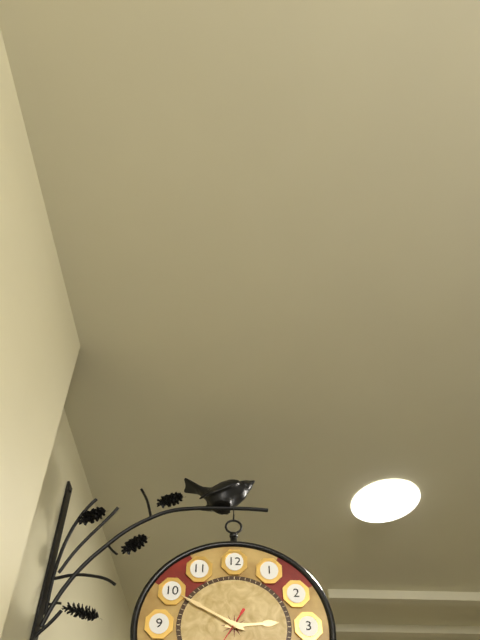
**2:50**
